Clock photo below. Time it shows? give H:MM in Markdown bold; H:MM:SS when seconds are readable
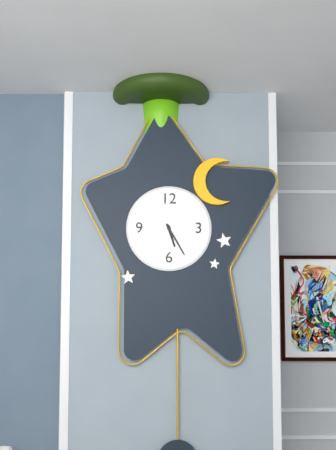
**5:25**
